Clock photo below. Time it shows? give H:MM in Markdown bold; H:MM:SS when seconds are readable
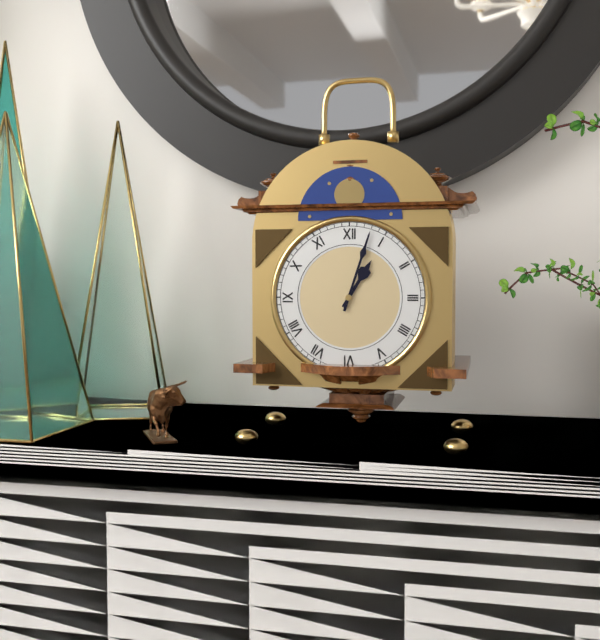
**1:03**
